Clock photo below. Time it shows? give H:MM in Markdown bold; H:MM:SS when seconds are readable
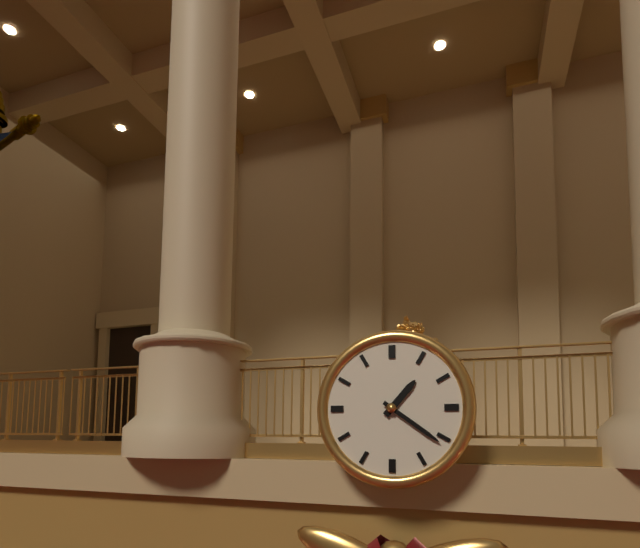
**1:21**
